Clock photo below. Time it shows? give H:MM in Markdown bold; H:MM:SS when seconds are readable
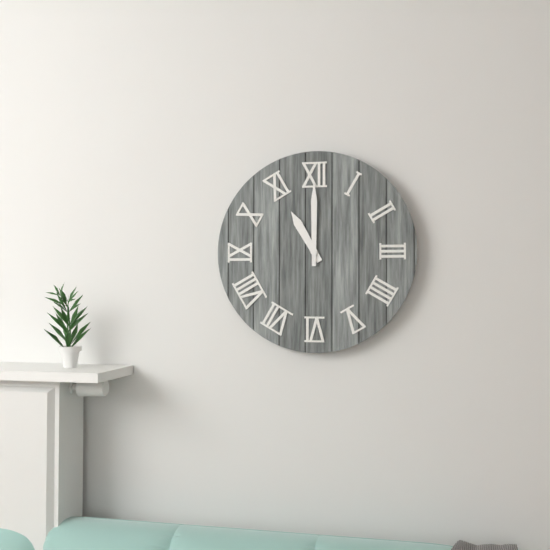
**11:00**
